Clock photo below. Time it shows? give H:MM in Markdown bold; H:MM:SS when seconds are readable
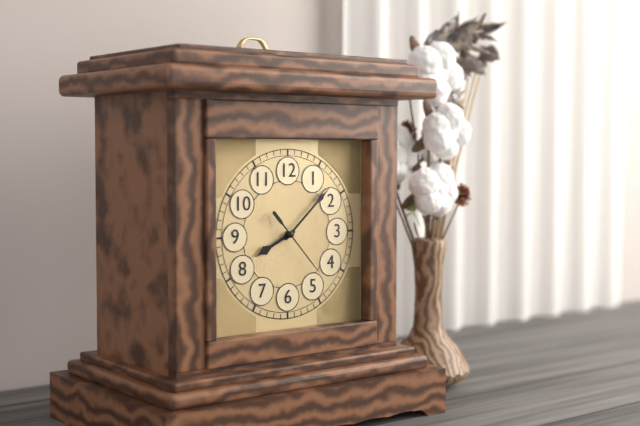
**8:08:23**
